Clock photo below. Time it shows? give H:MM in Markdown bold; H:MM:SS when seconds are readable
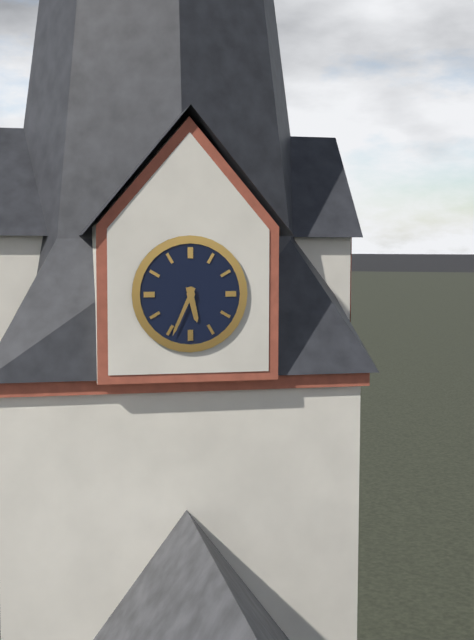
**5:34**
